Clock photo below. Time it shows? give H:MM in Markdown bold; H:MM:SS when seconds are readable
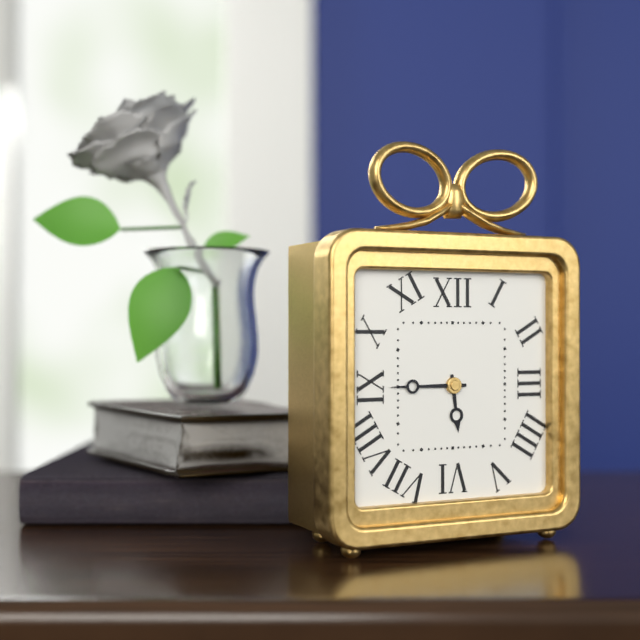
**5:45**
